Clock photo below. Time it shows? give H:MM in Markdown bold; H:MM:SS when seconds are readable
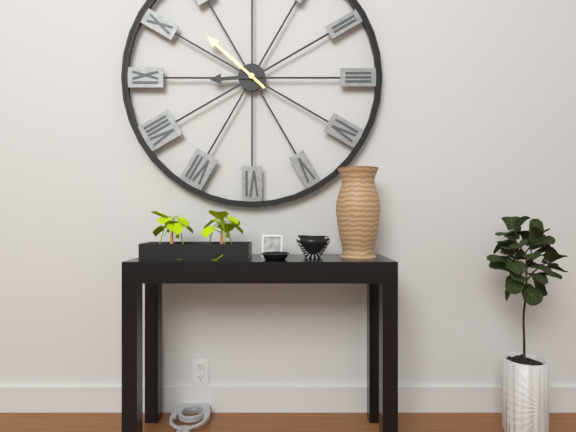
**8:52**
